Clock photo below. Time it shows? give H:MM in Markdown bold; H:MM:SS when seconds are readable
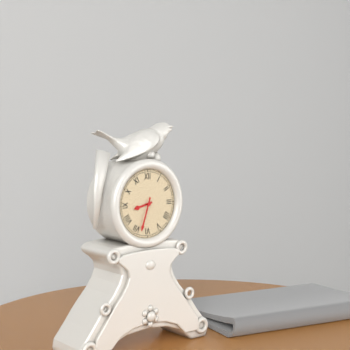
**8:33**
